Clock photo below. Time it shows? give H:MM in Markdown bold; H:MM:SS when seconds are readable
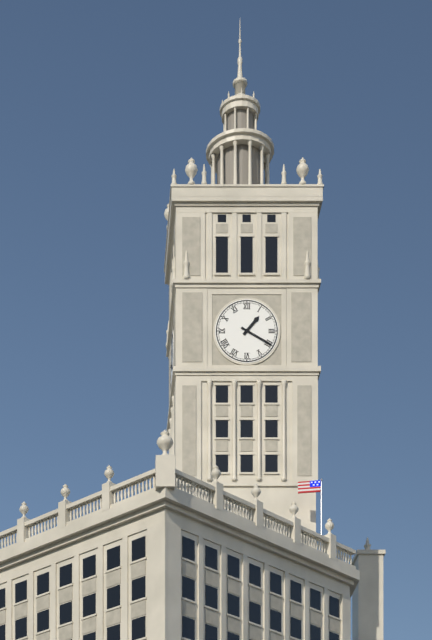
**1:20**
